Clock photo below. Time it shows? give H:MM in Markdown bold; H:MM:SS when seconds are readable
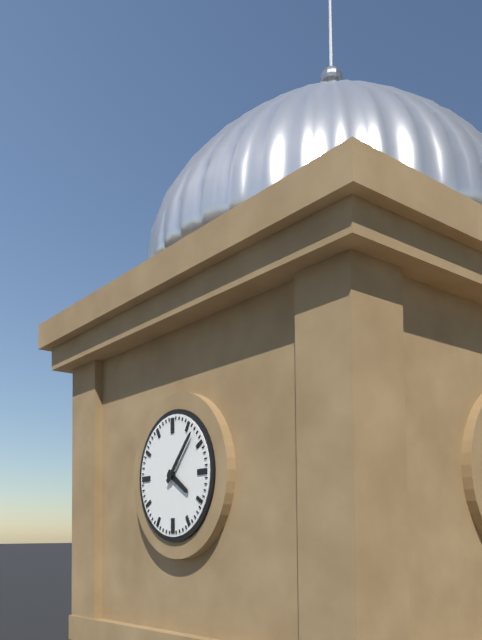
**4:07**
